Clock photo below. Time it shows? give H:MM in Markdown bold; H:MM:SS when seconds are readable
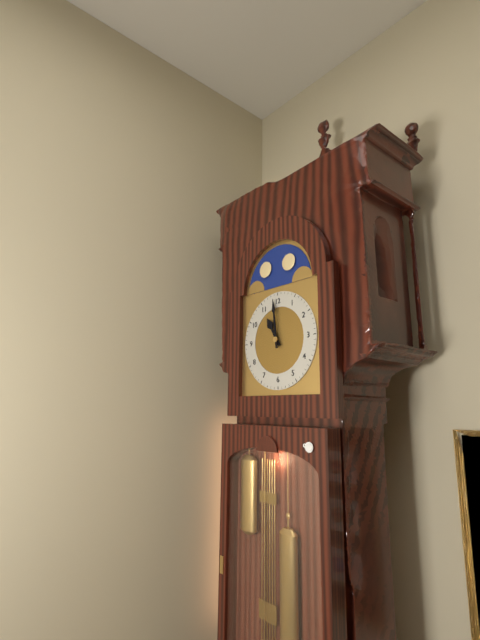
**10:59**
